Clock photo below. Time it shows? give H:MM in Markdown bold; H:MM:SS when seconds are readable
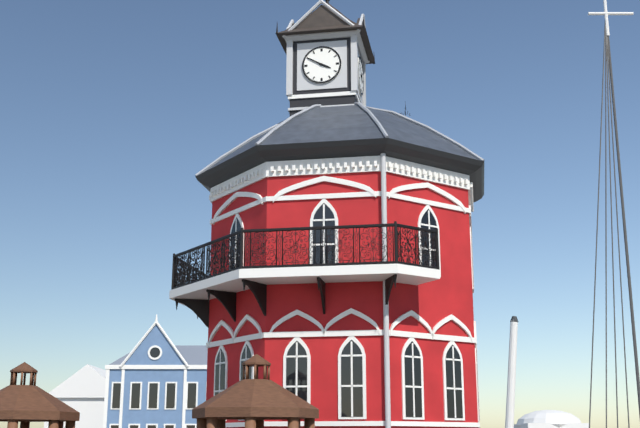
**3:50**
